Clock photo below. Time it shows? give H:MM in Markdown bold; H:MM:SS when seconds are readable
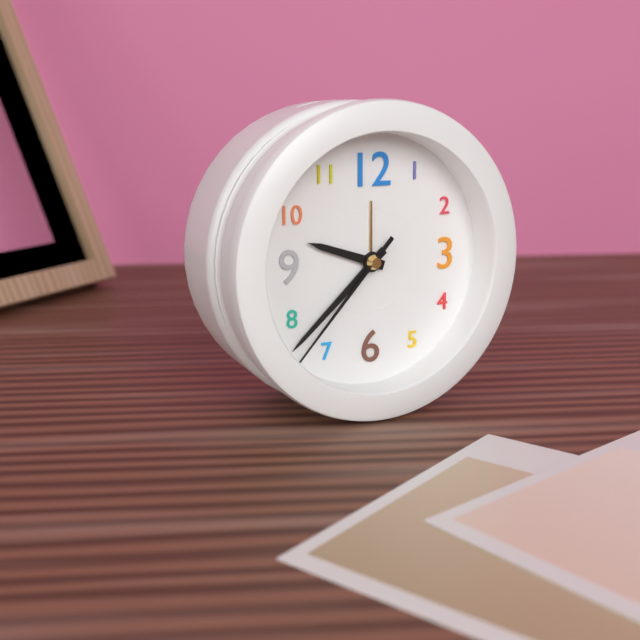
**9:38:37**
